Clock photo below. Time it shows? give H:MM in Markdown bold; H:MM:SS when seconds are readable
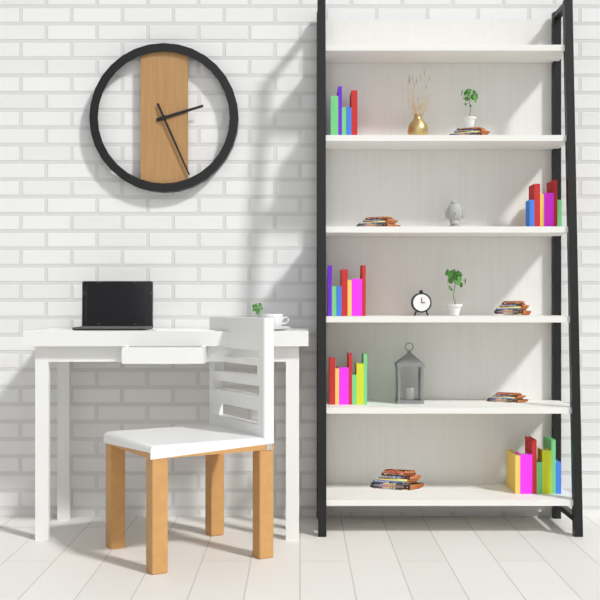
**2:26**
